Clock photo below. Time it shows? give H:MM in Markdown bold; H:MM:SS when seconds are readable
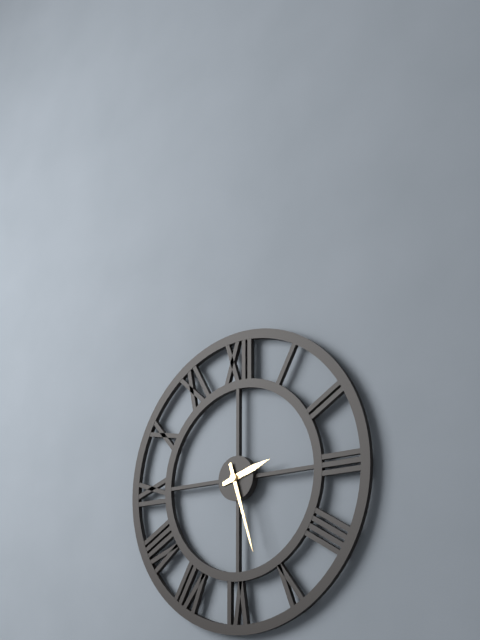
**2:27**
